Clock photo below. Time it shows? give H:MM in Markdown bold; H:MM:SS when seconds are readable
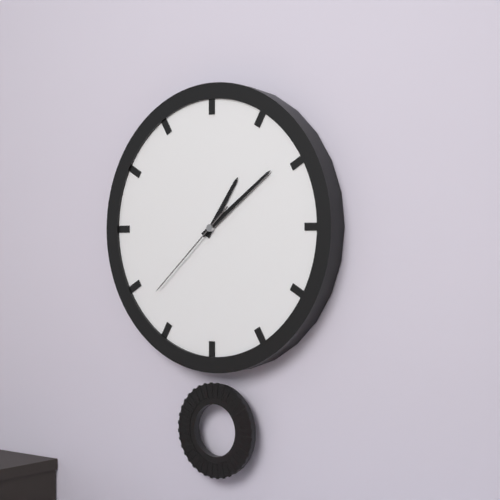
**1:09:38**
